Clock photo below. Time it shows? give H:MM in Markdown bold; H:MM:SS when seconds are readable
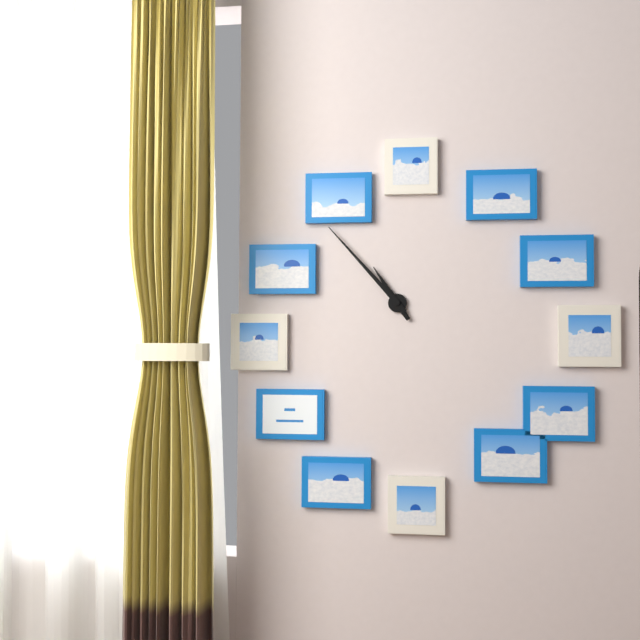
**10:53**
